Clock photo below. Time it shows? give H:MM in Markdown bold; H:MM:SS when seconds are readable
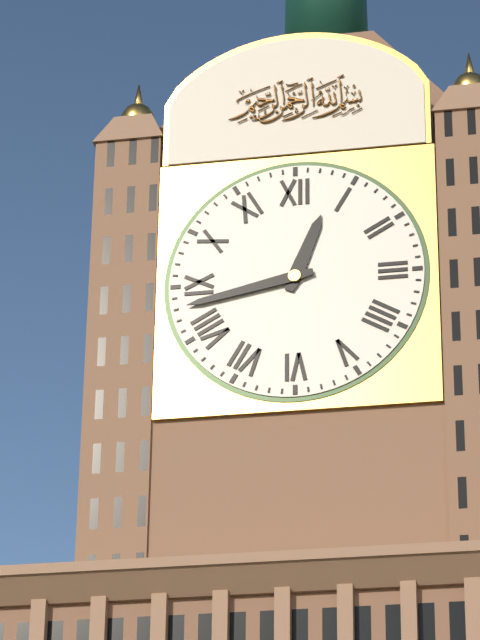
**12:43**
